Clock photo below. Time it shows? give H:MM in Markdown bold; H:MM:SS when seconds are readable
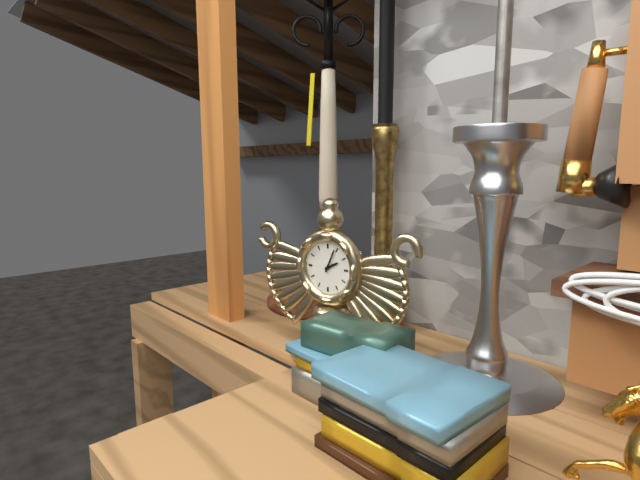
**2:04**
